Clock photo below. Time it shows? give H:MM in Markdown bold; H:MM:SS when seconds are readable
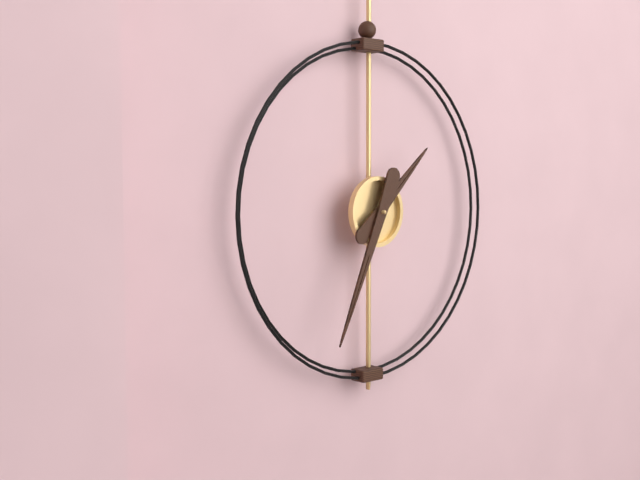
**1:34**
